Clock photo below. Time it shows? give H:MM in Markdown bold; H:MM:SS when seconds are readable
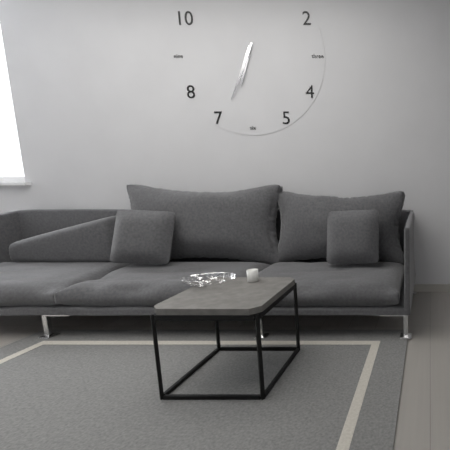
**6:34**
